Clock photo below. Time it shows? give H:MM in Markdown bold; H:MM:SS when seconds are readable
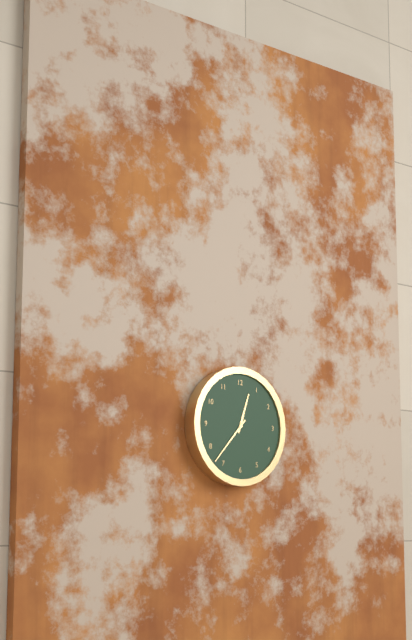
**12:37**
